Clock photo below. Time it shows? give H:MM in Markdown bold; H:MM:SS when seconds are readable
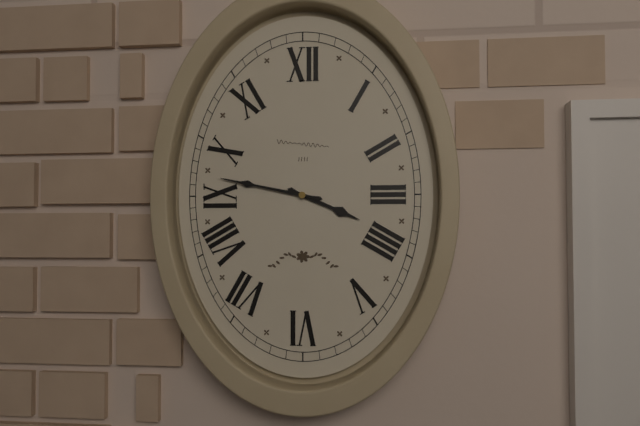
**3:47**
